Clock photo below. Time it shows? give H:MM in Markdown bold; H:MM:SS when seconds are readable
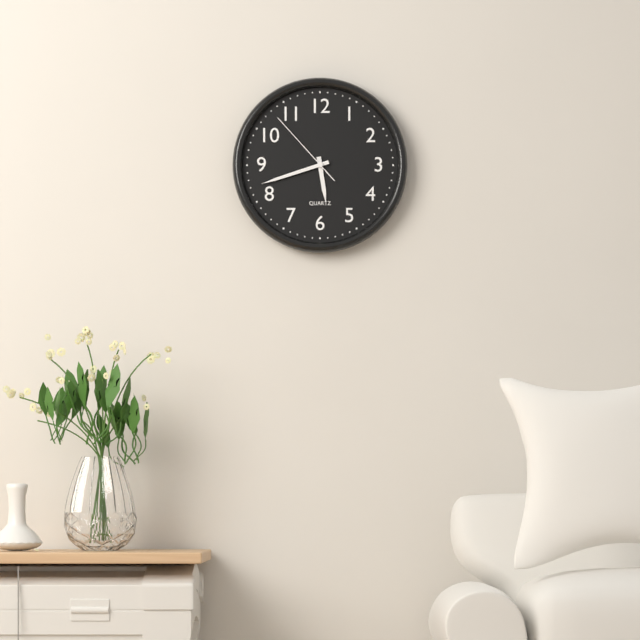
**5:42:53**
